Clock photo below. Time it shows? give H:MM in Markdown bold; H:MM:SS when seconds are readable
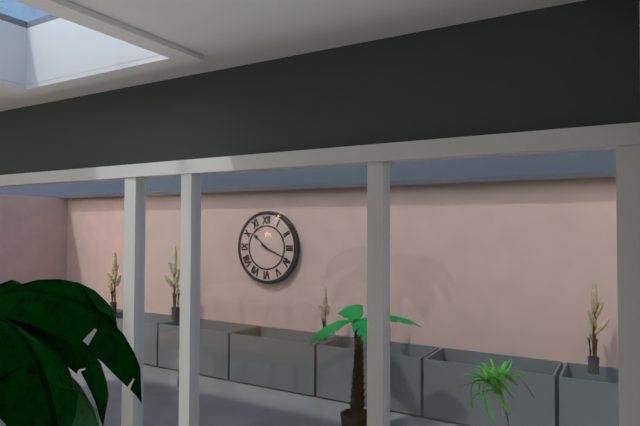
**10:19**
